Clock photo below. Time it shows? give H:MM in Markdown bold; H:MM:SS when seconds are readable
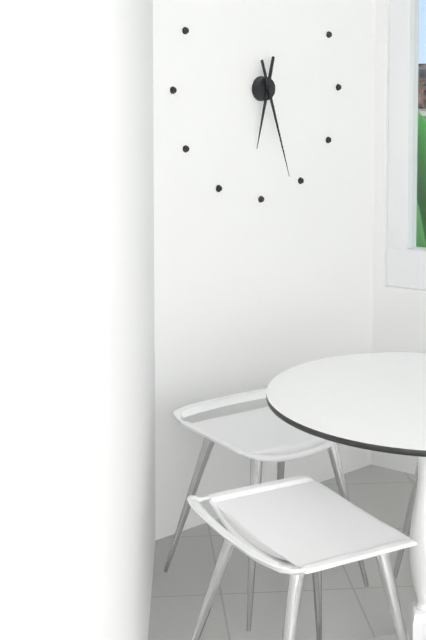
**6:27**
